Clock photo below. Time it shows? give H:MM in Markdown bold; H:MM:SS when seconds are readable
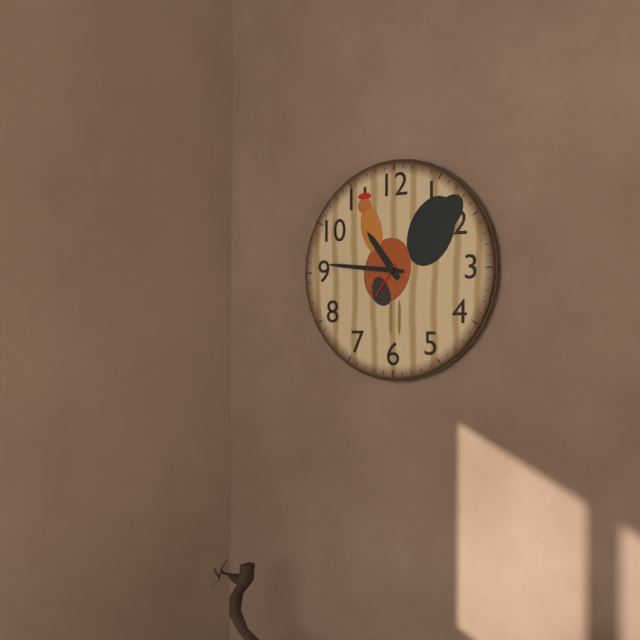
**10:46**
